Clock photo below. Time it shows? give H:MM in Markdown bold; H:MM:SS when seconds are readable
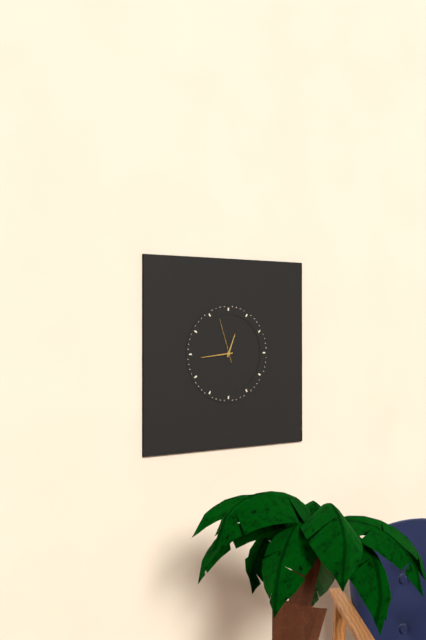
**12:44**
